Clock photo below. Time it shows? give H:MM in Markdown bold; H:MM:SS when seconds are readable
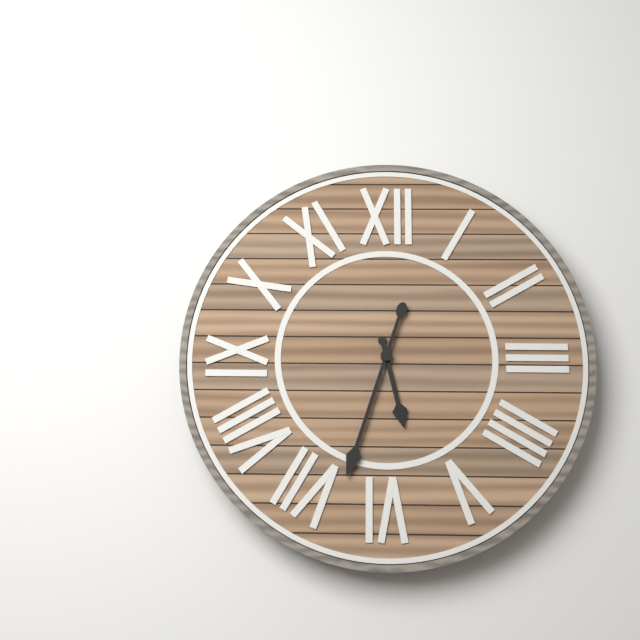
**5:33**
